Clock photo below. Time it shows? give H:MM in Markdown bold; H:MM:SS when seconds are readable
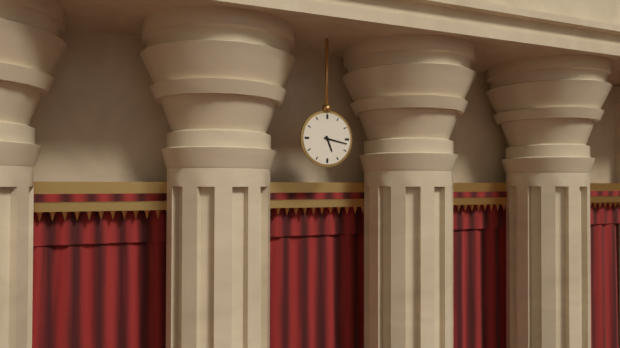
**5:17**
